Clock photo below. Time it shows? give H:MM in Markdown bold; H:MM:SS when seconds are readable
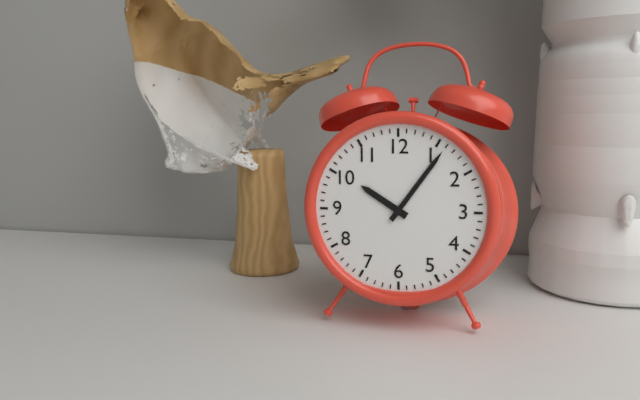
**10:06**
